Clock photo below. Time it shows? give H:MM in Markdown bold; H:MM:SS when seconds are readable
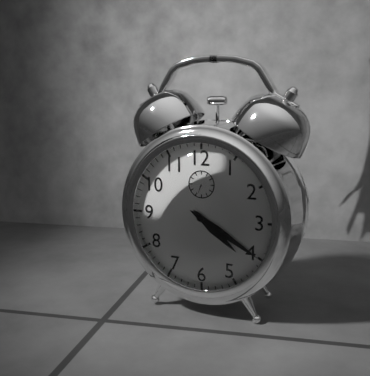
**4:20**
